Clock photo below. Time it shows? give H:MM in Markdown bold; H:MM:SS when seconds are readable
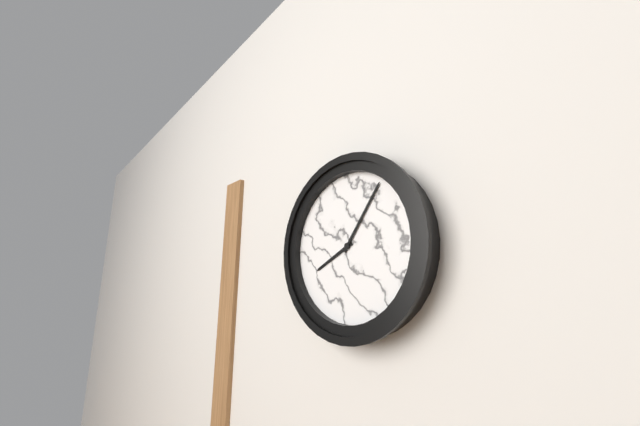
**8:06**
